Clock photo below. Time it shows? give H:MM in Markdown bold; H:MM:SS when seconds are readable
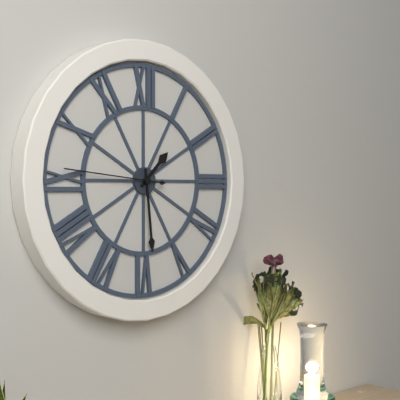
**1:29:46**
